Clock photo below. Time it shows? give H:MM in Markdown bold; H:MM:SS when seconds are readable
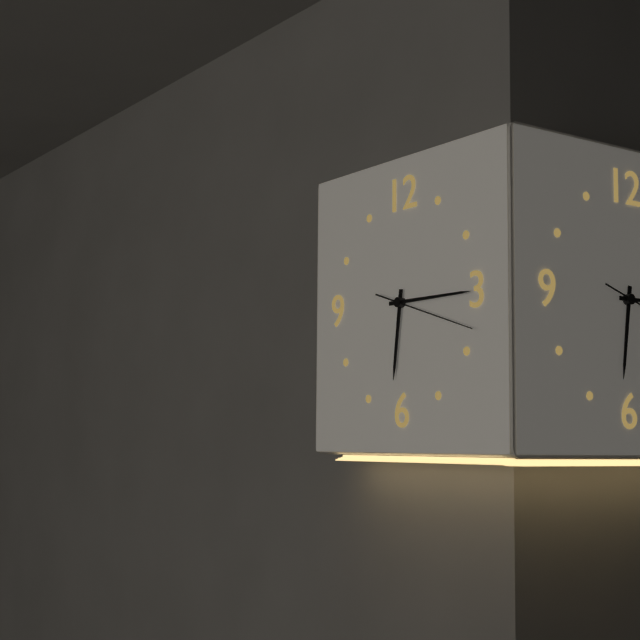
**6:15:18**
